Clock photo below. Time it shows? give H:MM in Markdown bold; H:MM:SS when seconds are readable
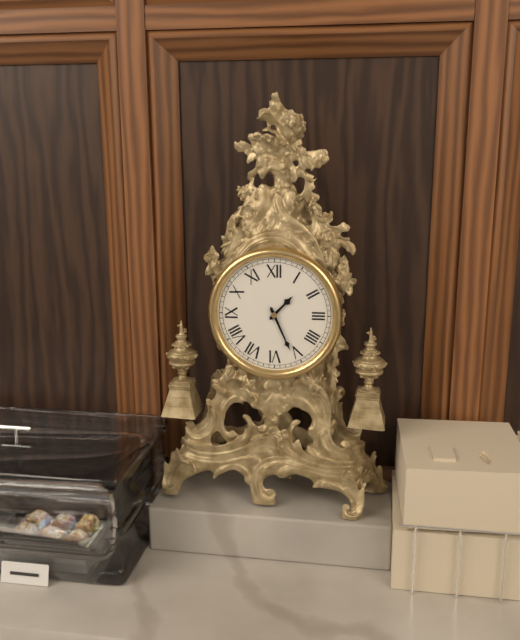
**1:26**
